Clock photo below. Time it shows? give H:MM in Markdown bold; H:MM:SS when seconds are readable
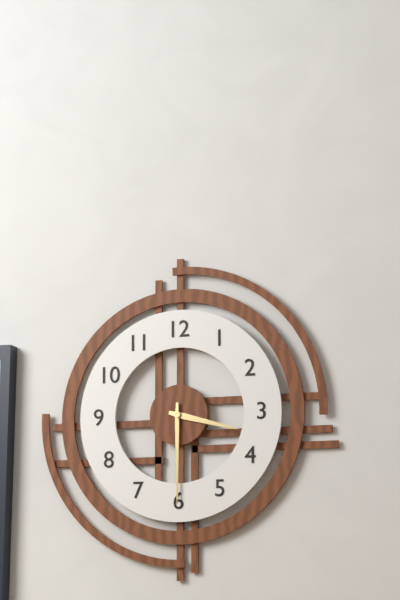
**3:30**
